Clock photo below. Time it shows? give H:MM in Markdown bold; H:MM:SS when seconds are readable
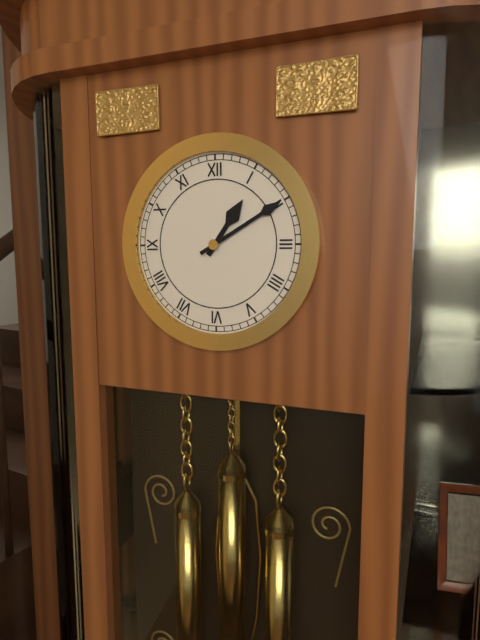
**1:10**
